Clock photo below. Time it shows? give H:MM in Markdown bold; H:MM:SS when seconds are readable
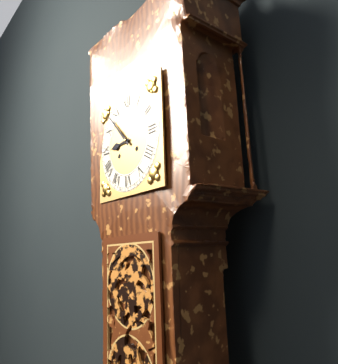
**8:53**
